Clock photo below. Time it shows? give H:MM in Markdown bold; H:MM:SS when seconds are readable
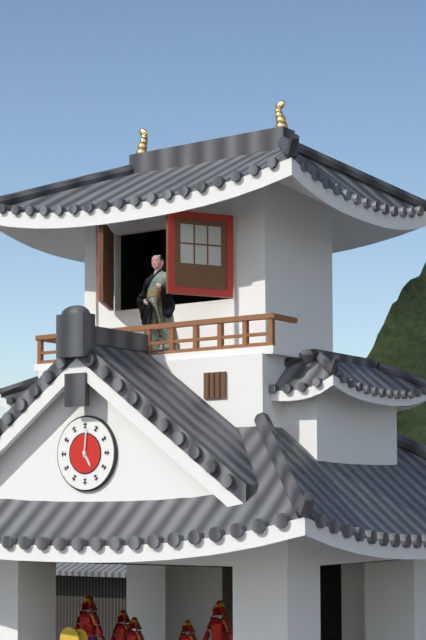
**5:01**
